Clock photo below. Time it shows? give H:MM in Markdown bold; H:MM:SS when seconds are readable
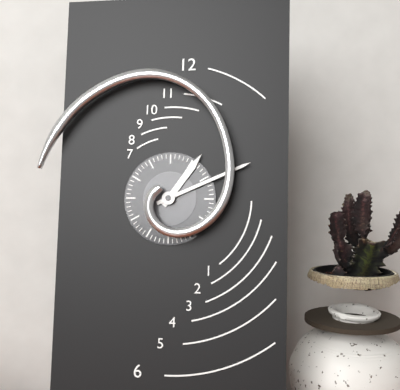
**1:11**
